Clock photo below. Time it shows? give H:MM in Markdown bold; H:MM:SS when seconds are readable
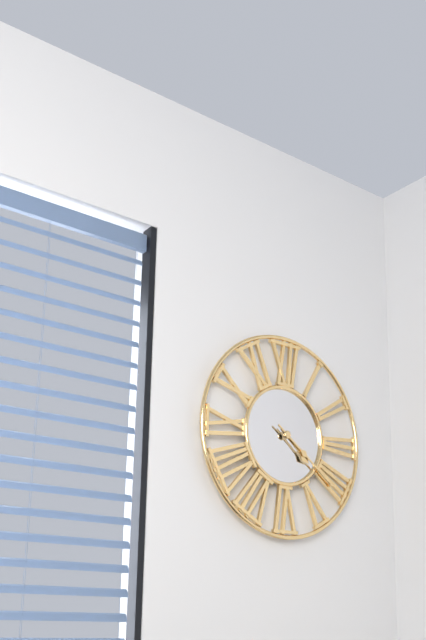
**4:21**
